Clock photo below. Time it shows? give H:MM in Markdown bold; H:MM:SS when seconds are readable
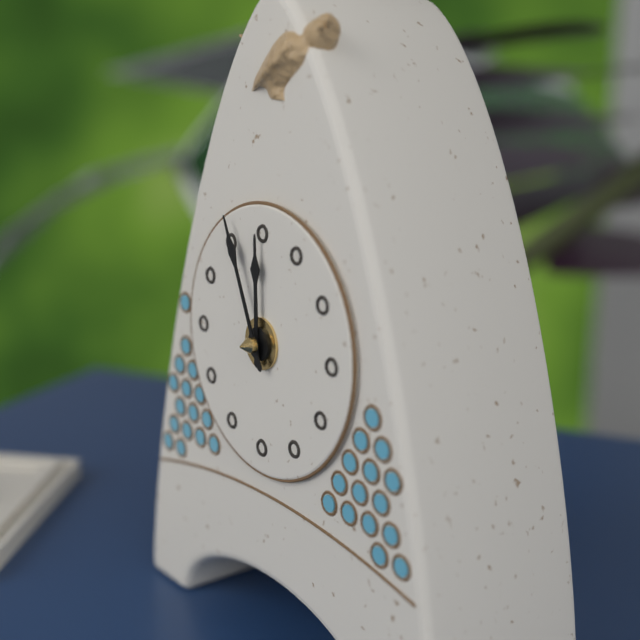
**11:56**
